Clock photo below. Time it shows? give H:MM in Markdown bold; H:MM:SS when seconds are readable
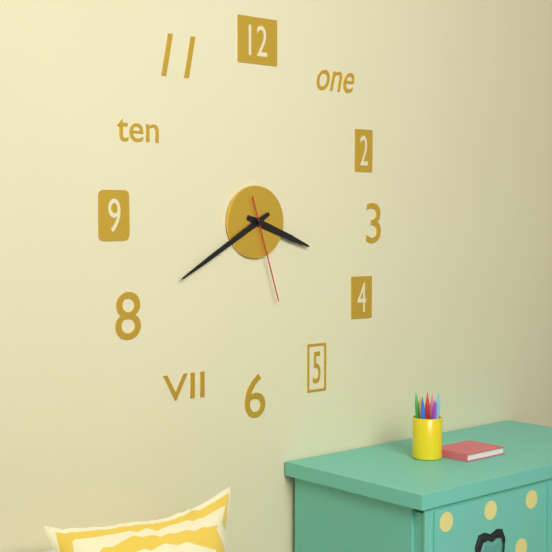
**3:40:27**
